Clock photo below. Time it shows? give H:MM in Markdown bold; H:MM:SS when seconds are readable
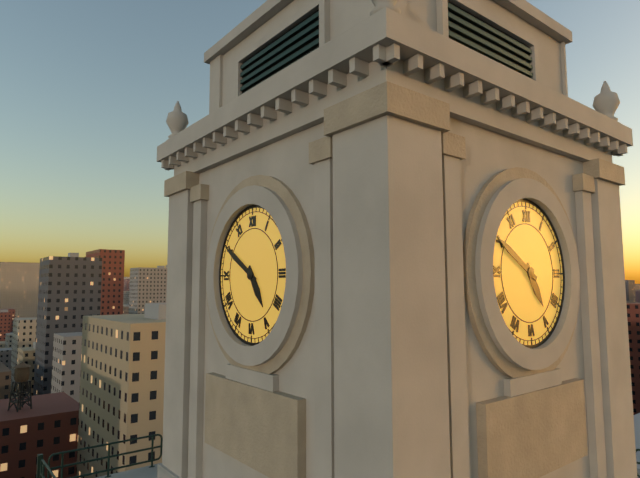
**4:50**
